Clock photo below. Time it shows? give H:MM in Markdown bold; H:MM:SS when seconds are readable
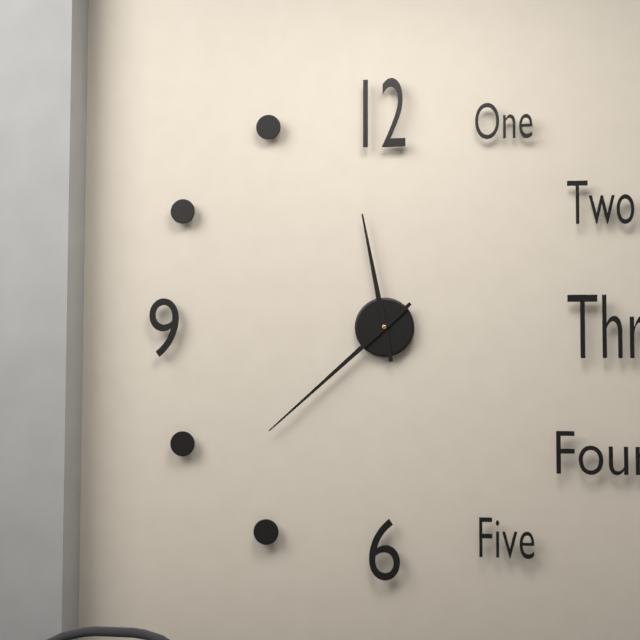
**11:38**
